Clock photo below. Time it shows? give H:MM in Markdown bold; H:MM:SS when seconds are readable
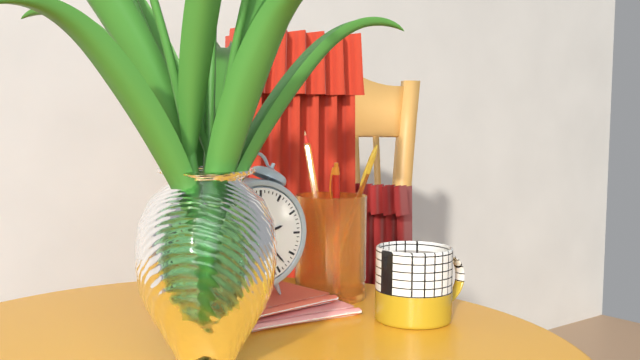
**2:23**
